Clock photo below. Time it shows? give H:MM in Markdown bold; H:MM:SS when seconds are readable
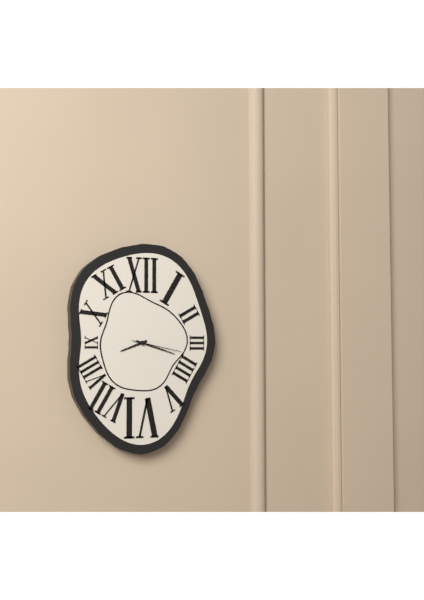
**8:18:17**
